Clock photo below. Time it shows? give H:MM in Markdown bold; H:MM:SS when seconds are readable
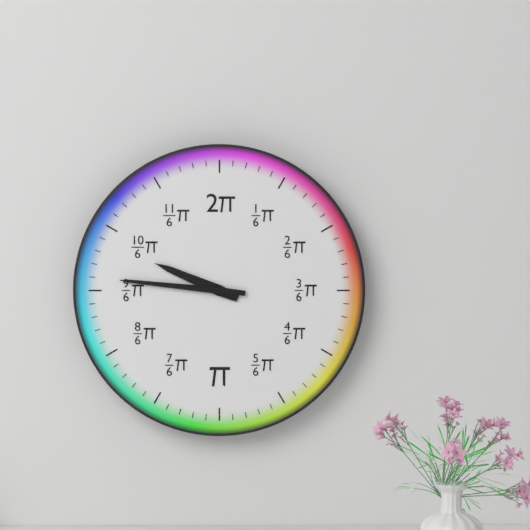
**9:46**
